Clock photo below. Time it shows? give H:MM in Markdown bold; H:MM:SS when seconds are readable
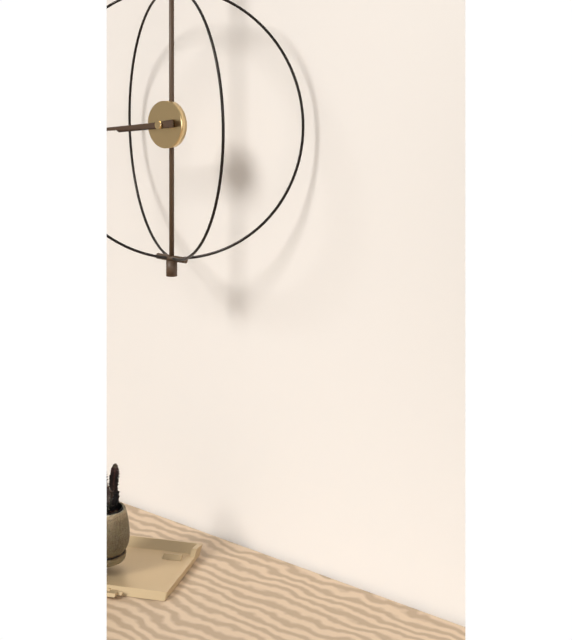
**8:44**
